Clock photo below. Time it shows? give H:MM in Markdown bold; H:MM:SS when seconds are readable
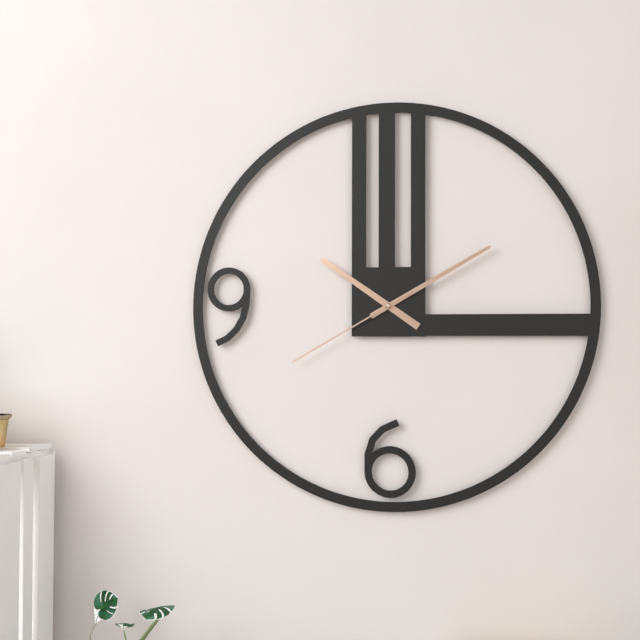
**10:10:40**
